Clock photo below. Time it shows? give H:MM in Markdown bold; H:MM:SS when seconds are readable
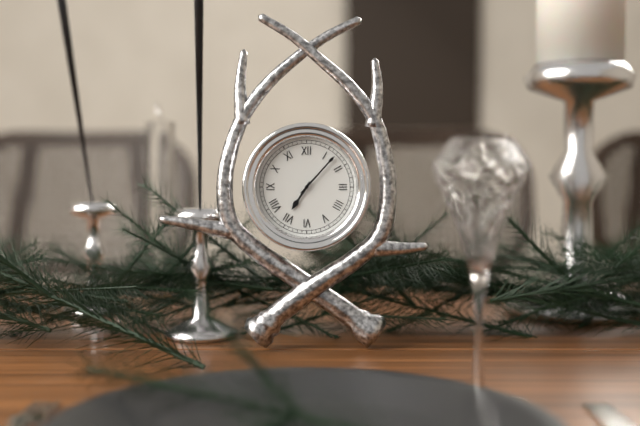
**7:07**
